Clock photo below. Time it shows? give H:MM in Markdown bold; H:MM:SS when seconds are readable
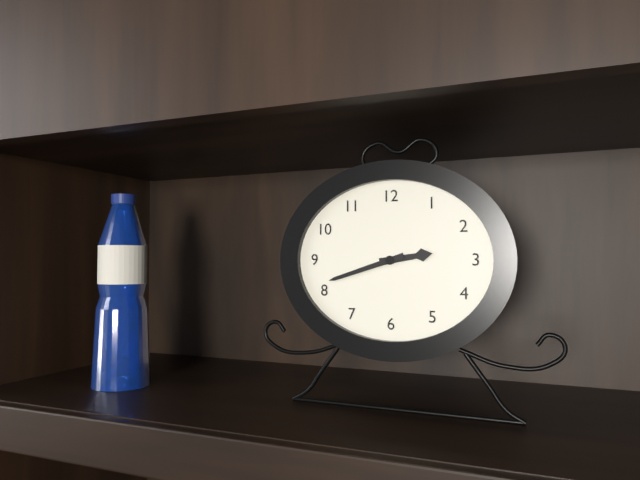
**2:42**
